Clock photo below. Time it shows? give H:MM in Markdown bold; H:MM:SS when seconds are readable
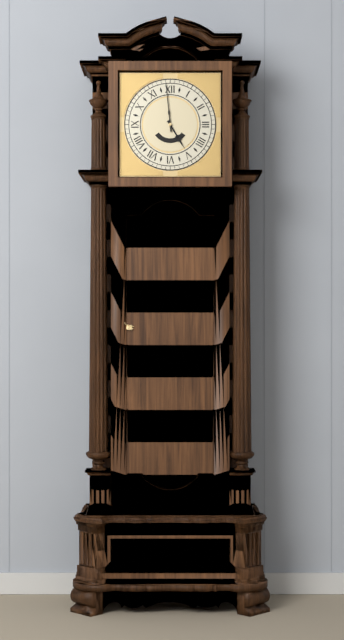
**4:59**
